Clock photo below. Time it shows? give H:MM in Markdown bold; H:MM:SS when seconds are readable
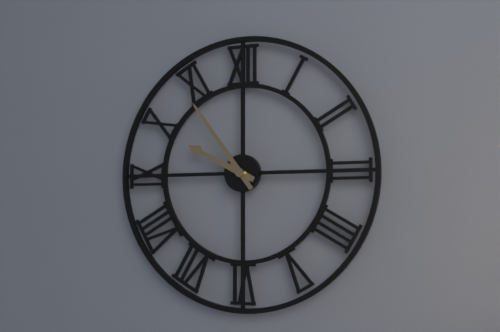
**9:54**
